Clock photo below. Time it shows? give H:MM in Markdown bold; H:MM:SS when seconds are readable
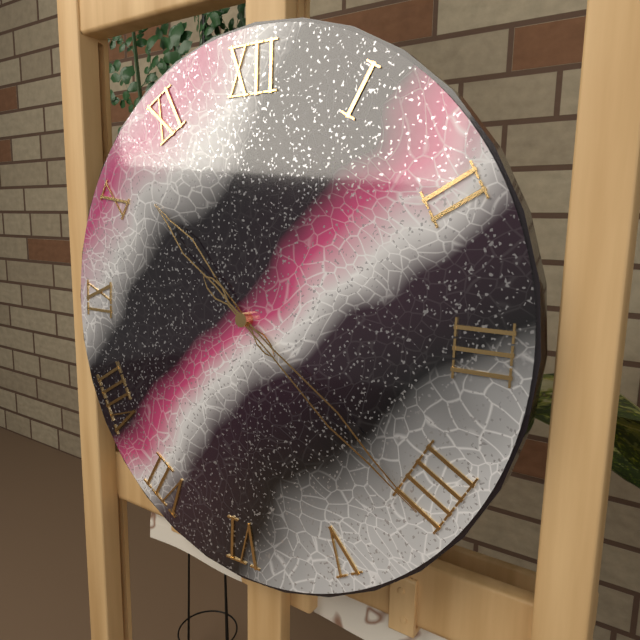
**10:21**
